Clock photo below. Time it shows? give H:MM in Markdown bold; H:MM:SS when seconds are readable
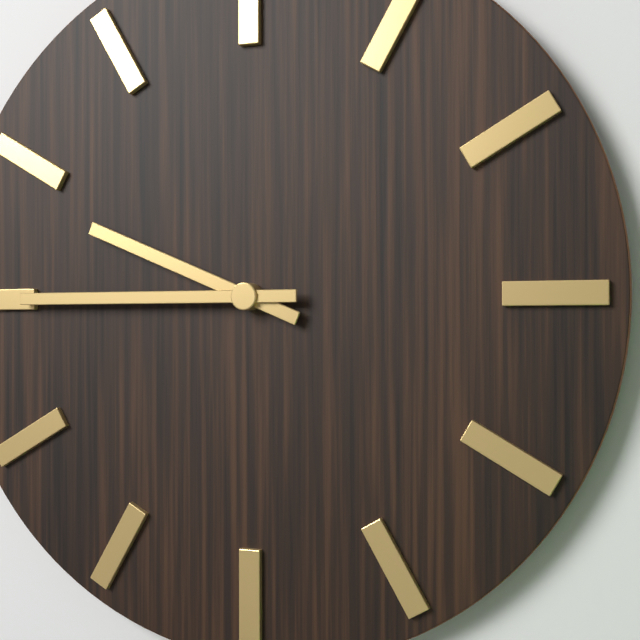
**9:45**
